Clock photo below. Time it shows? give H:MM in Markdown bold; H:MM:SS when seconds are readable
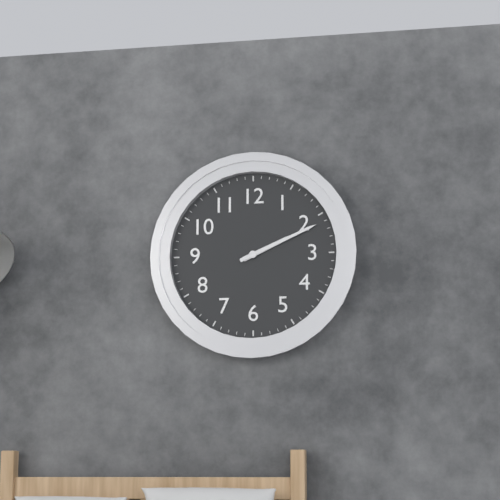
**2:11**
